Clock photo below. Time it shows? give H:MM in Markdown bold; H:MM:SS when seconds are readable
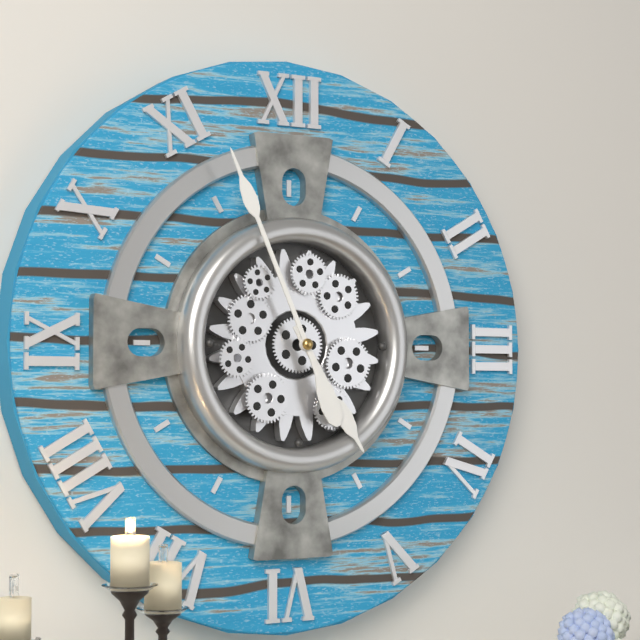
**4:56**
